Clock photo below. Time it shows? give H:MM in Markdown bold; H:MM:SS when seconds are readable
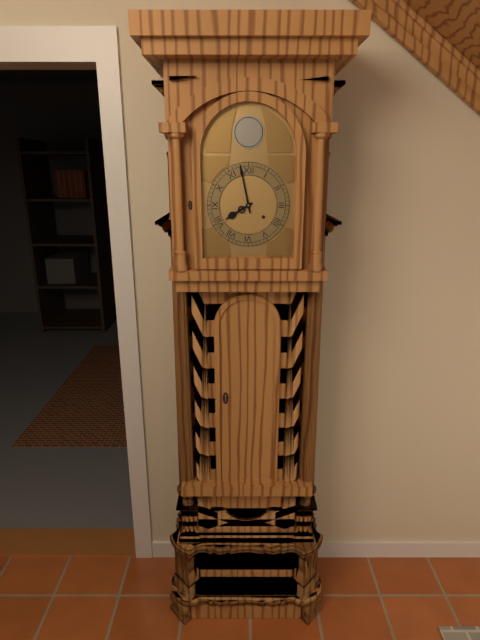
**7:58**
